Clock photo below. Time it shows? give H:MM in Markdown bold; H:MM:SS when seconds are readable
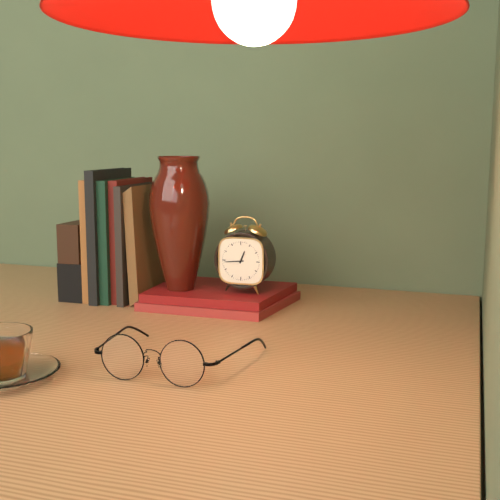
**12:44**
